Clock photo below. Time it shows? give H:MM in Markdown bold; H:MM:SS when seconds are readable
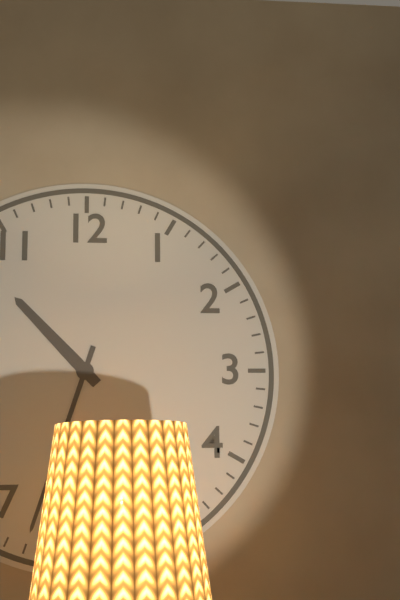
**10:33**
